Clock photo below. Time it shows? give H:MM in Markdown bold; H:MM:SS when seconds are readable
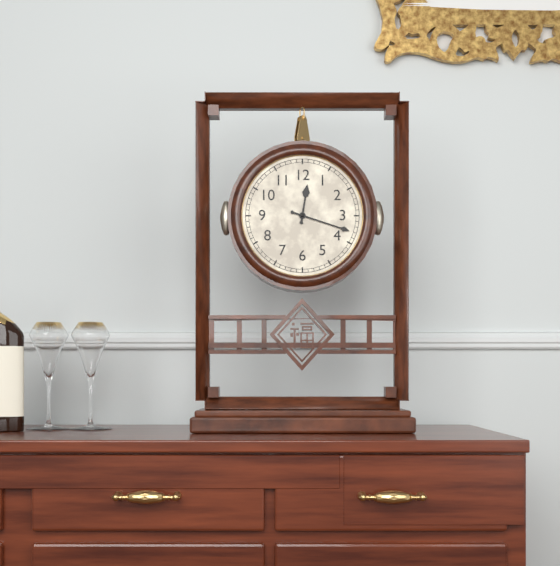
**12:18**
